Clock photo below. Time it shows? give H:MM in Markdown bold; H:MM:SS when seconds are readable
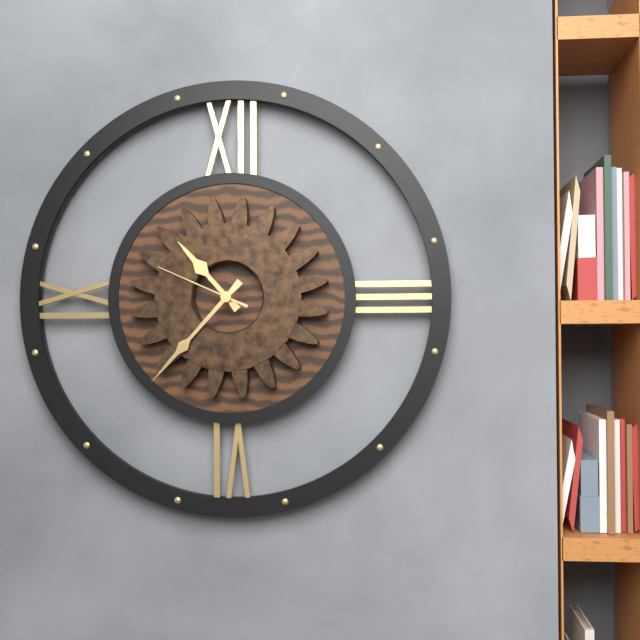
**10:37:49**
